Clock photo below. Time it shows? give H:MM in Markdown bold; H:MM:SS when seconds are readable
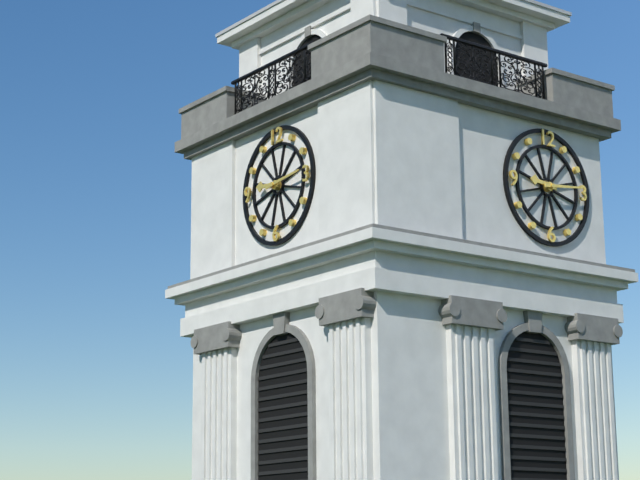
**9:14**
